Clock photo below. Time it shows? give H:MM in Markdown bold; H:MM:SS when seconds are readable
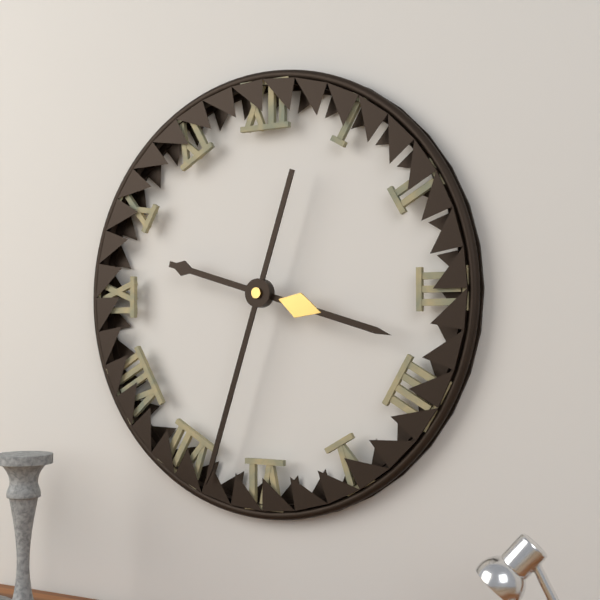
**3:33**
